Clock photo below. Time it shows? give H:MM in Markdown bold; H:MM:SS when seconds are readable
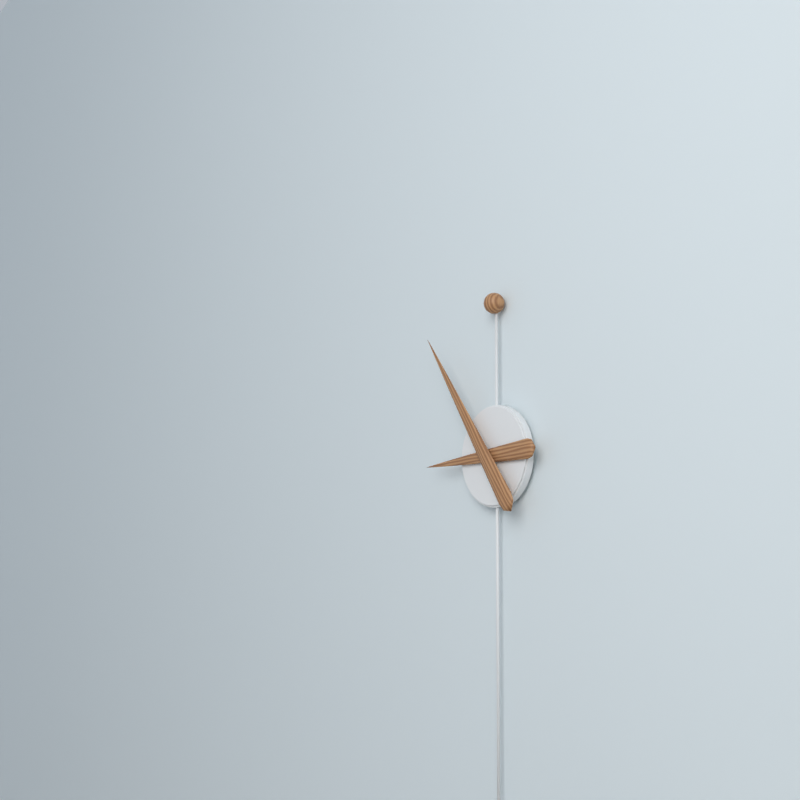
**8:54**
